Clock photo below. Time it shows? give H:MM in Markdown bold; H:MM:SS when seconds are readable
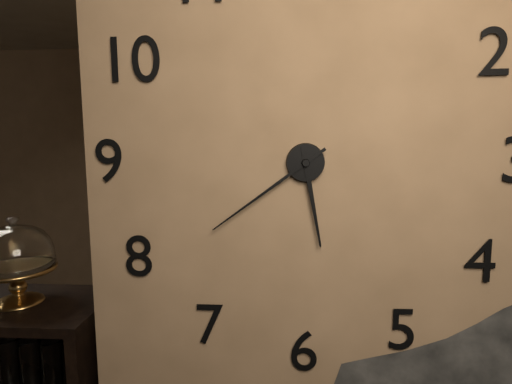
**5:39**
